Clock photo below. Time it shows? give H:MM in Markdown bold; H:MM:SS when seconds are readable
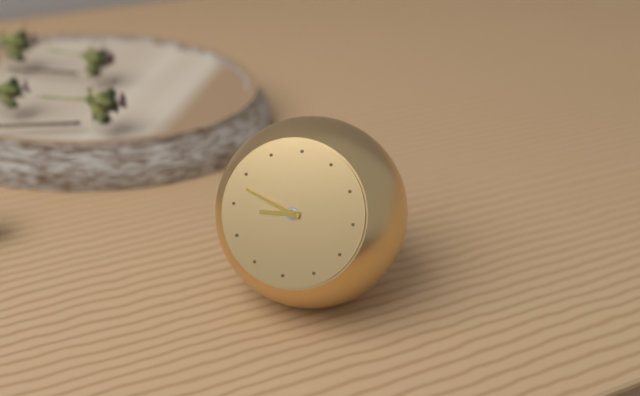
**8:48**
